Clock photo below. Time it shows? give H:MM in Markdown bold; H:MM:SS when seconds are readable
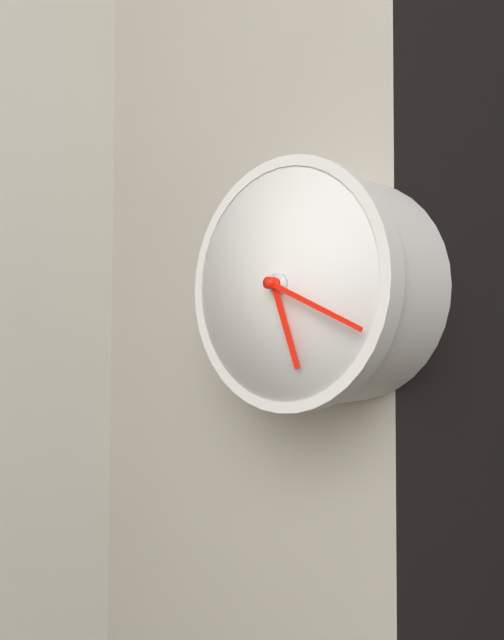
**5:19**
